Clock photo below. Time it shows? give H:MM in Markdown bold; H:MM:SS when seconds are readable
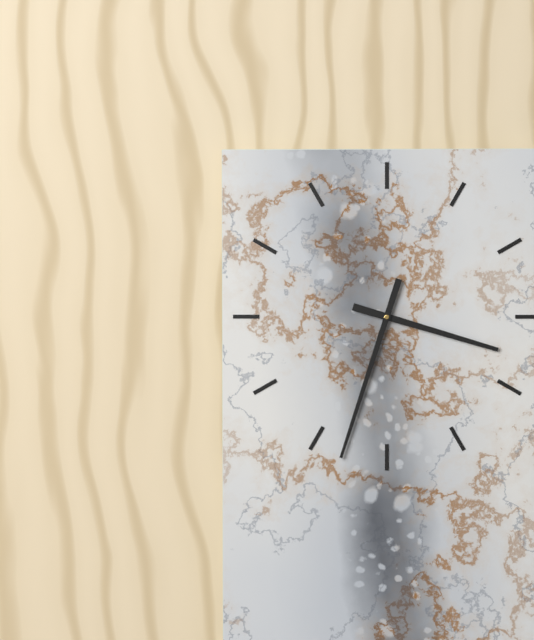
**3:33**
